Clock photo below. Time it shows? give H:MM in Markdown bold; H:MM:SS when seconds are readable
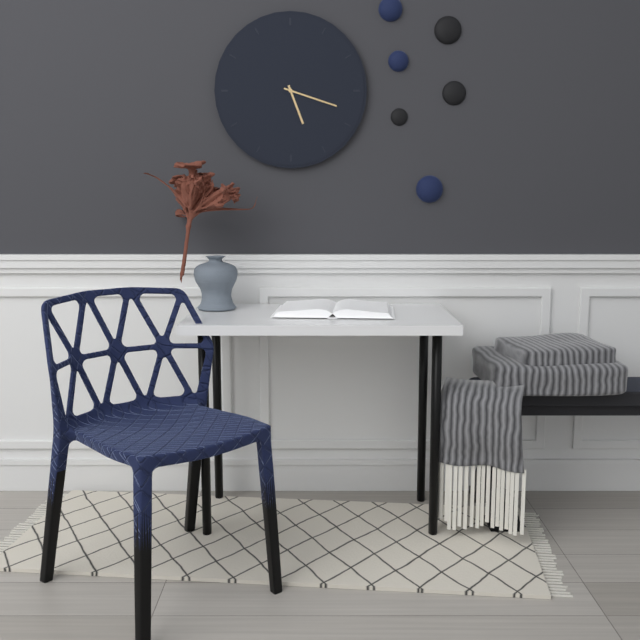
**5:18**
